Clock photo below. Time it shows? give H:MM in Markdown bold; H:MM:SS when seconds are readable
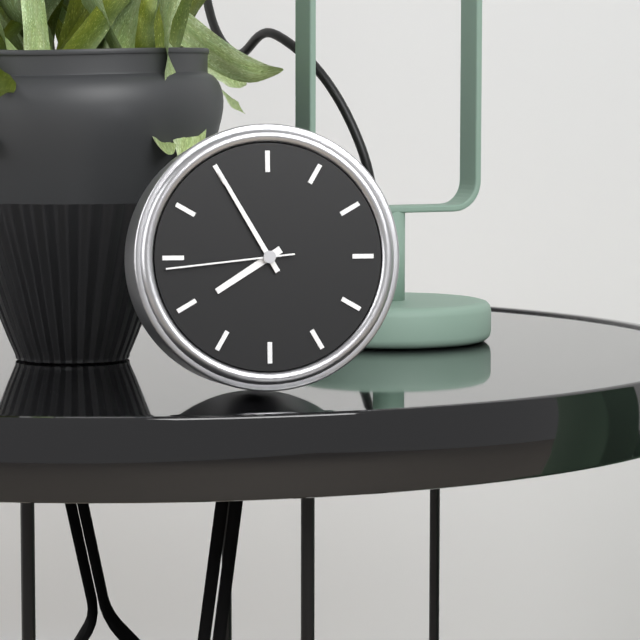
**7:55:44**
